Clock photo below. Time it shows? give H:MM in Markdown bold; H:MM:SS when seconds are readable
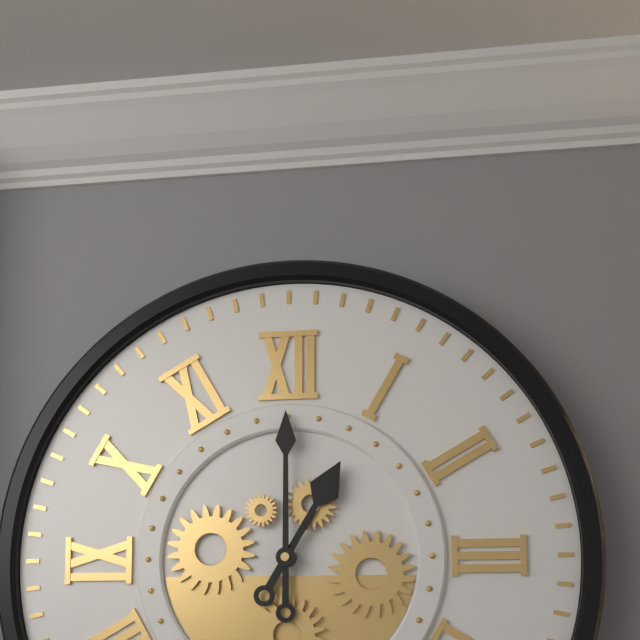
**1:00**
